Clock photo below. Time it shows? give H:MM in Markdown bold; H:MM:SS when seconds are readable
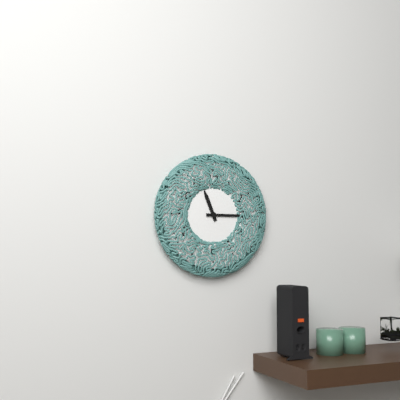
**11:15**
